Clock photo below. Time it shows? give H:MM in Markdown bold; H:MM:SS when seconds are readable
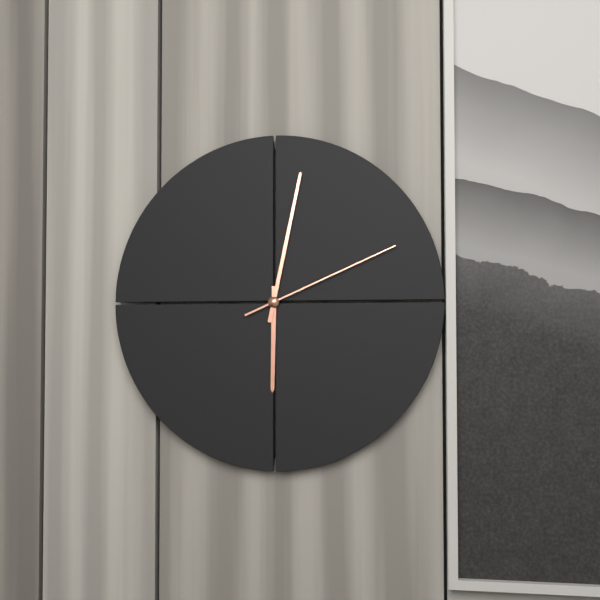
**6:02:11**
